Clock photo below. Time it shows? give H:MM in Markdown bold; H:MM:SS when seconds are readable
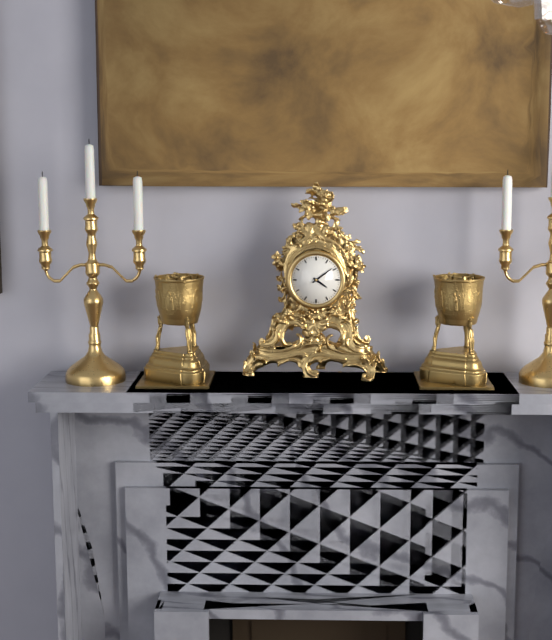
**4:09**
